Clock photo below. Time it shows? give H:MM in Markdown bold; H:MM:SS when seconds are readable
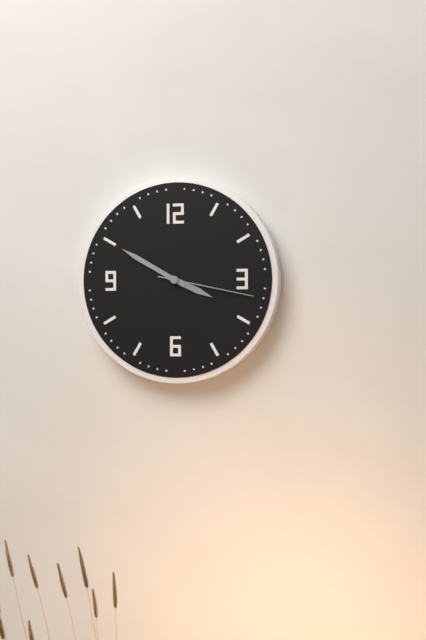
**3:50:17**
